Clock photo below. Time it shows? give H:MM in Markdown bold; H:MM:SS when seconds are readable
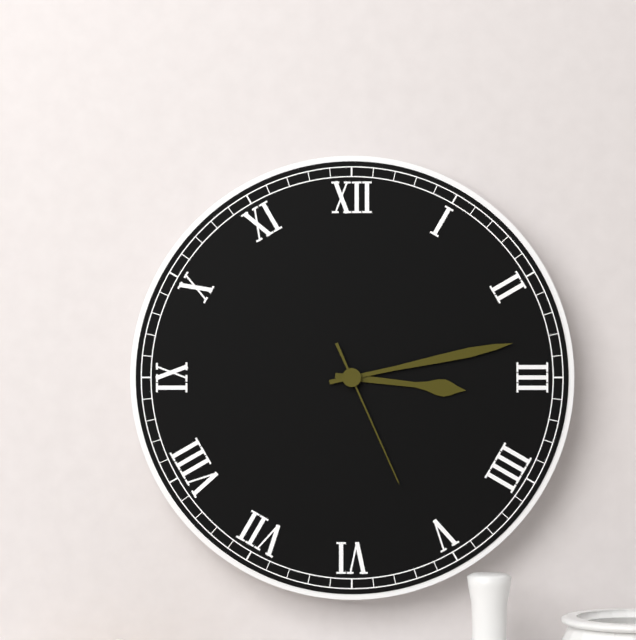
**3:13:26**
